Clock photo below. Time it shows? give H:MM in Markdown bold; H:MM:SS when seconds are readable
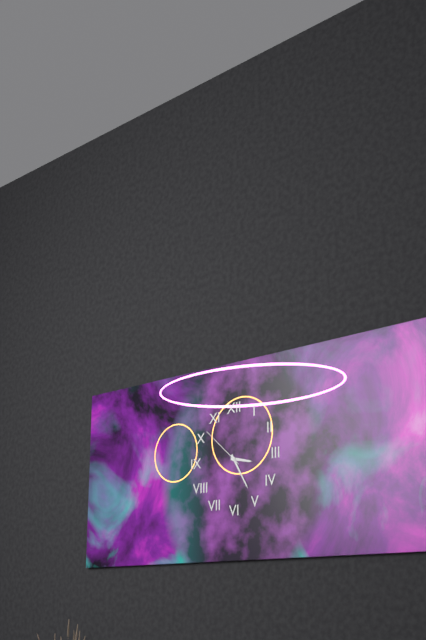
**3:25**
